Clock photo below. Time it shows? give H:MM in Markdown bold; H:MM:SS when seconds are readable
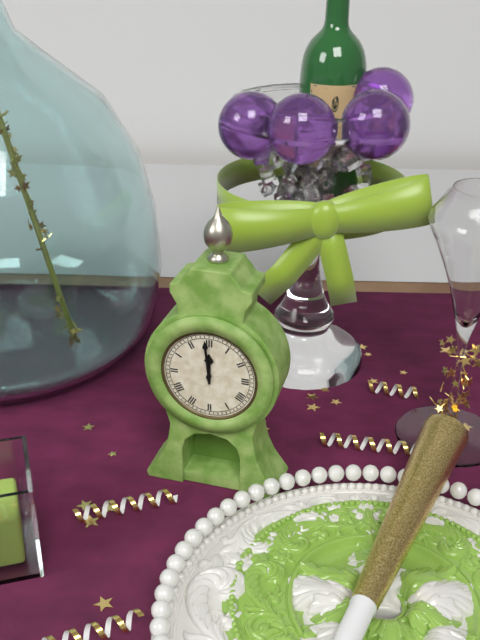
**11:59**
